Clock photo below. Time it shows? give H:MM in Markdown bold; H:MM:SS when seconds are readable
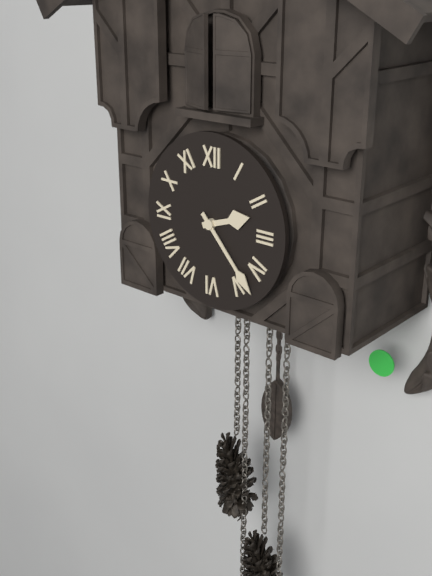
**2:23**
